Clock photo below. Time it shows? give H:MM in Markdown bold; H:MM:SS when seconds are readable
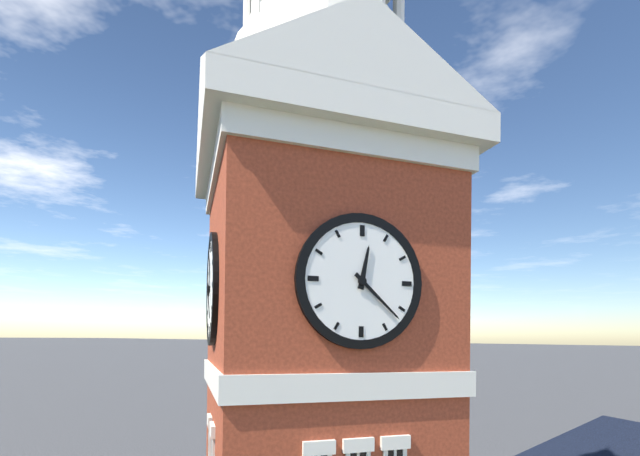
**12:22**
